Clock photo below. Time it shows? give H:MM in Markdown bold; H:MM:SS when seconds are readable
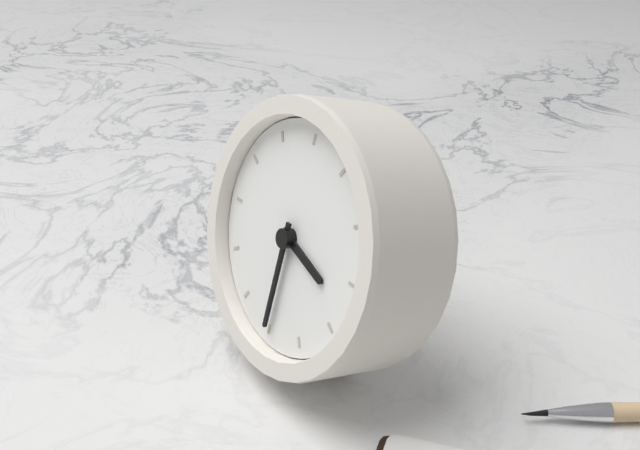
**3:30**
